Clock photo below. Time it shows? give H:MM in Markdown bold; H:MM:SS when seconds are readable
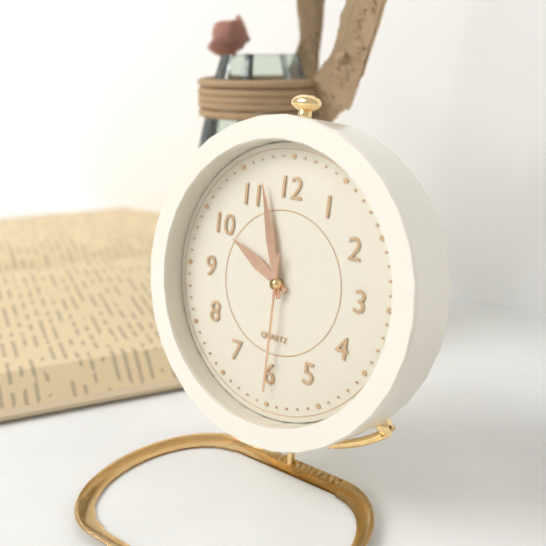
**9:57:30**
